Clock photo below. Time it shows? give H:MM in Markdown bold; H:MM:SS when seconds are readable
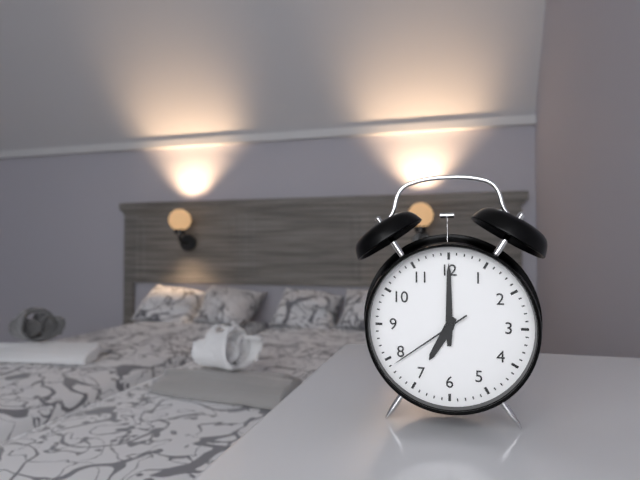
**7:00:39**
